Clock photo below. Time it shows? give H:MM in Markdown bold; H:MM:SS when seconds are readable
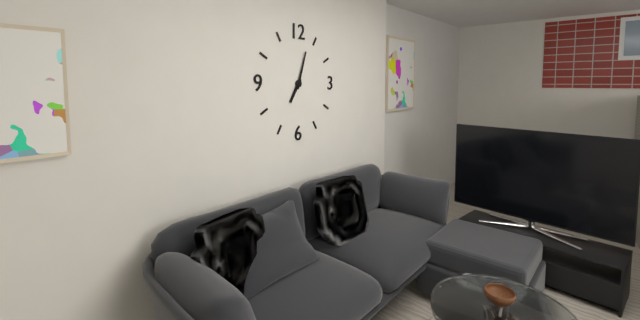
**7:03**
